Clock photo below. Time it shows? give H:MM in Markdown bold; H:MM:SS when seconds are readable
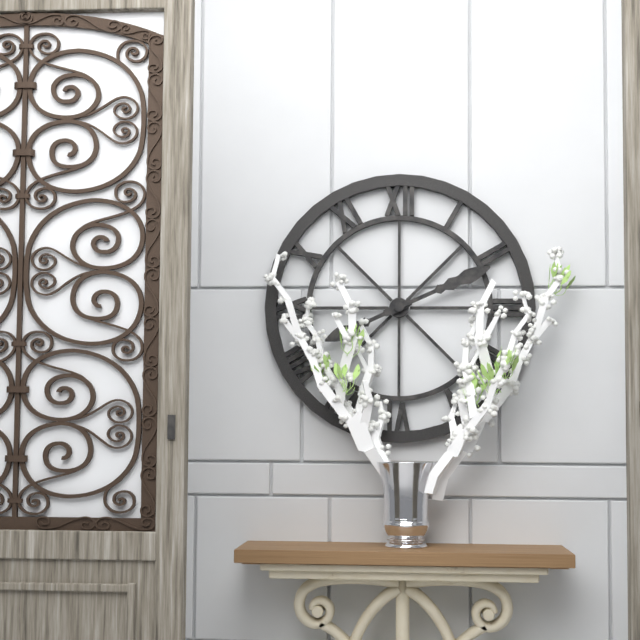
**8:11**
